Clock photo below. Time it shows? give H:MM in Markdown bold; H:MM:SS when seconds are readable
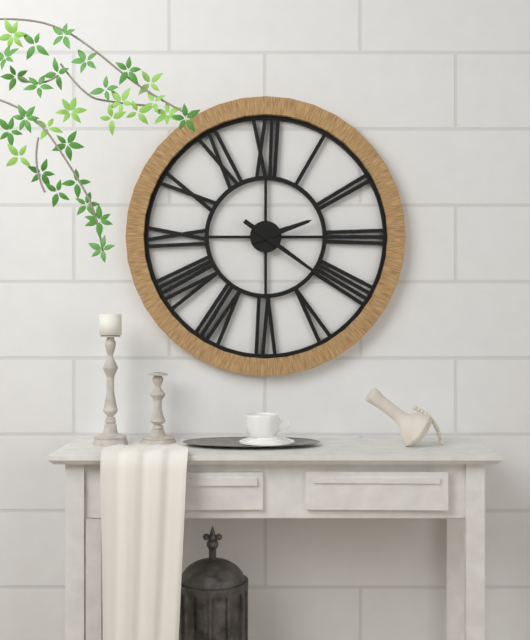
**2:21**
